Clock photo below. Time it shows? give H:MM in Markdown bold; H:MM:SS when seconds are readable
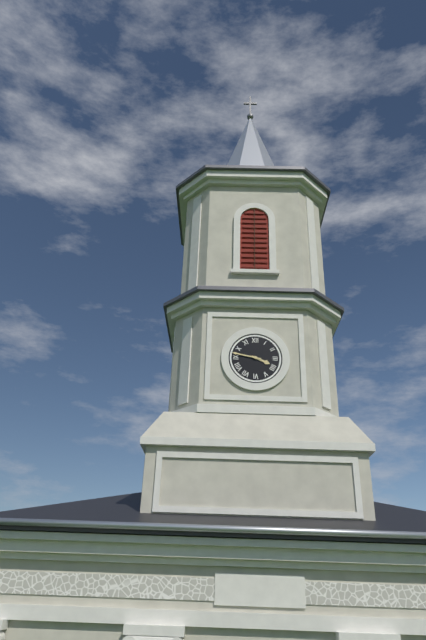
**3:47**
